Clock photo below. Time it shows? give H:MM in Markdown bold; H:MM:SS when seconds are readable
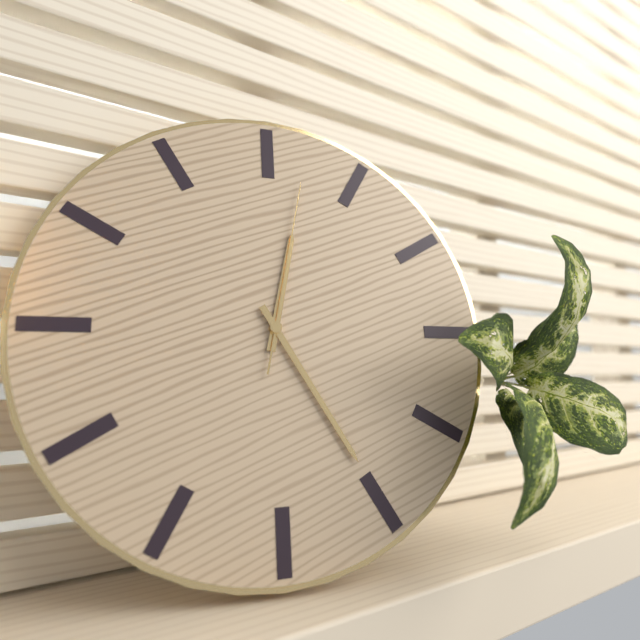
**12:25:02**
